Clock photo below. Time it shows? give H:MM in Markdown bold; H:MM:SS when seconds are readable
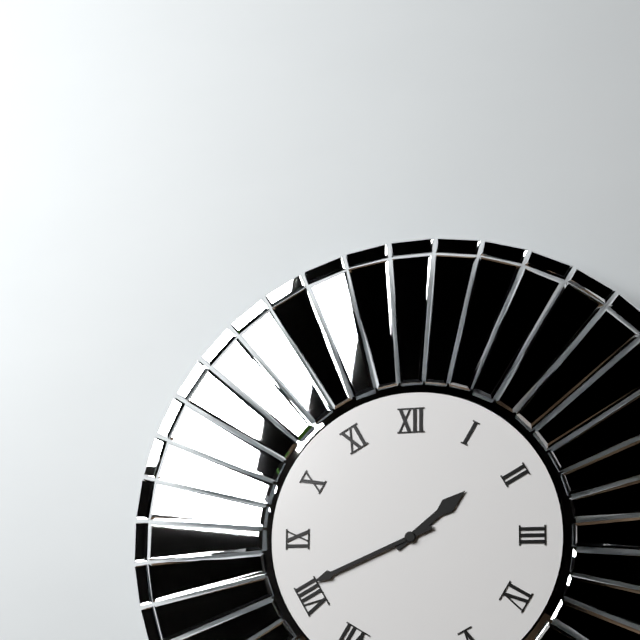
**1:41**
